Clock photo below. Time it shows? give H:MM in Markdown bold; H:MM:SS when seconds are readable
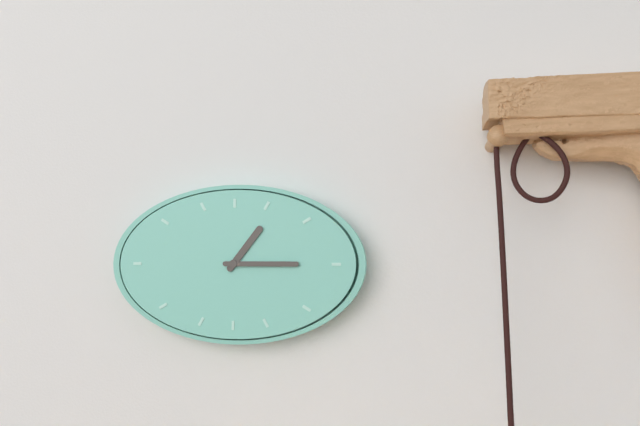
**1:15**
